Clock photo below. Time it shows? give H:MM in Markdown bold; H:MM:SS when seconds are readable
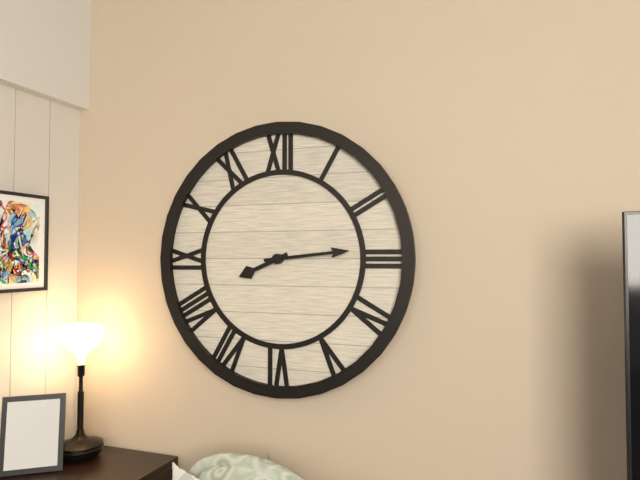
**8:14**
